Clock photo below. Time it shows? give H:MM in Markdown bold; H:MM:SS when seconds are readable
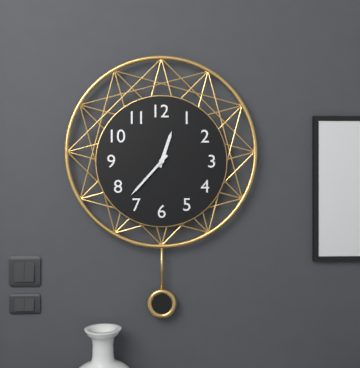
**12:37**
